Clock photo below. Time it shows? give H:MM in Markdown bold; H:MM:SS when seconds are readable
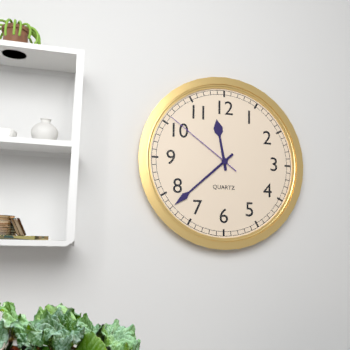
**11:38:51**
